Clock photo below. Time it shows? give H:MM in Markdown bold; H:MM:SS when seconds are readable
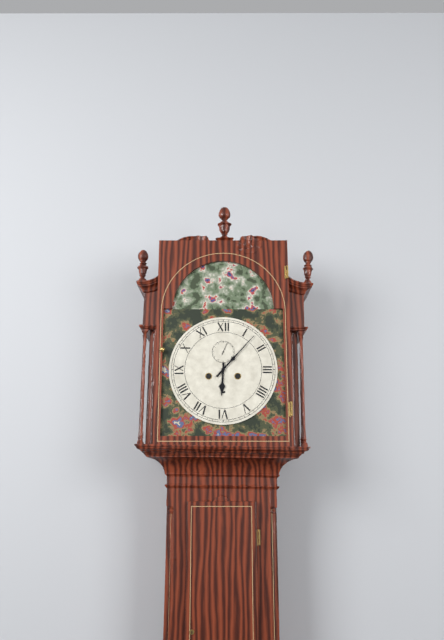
**6:07**
